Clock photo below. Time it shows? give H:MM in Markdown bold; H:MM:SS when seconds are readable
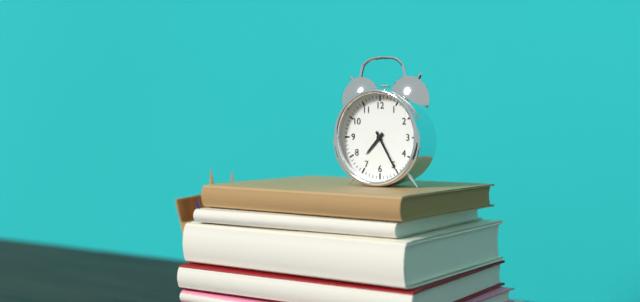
**7:25**
